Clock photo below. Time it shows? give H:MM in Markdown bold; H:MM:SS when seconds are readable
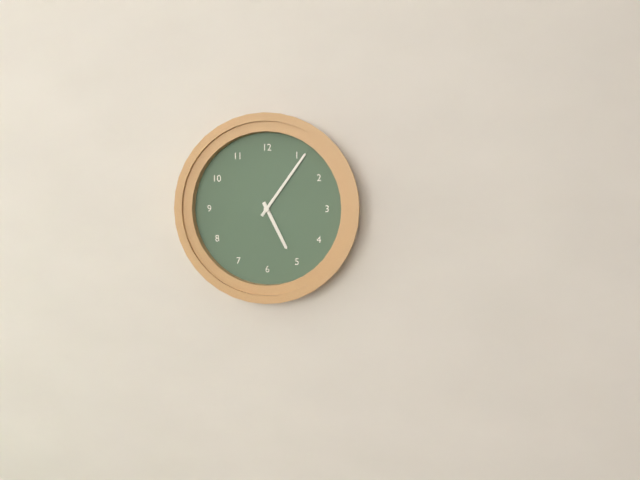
**5:06**
